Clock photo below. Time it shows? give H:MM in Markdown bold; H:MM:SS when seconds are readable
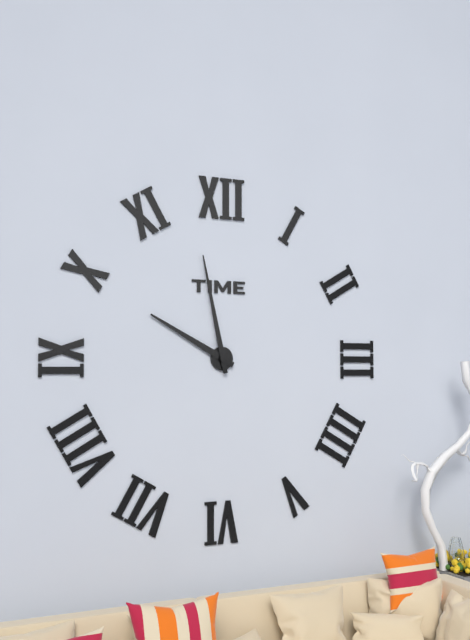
**9:58**
